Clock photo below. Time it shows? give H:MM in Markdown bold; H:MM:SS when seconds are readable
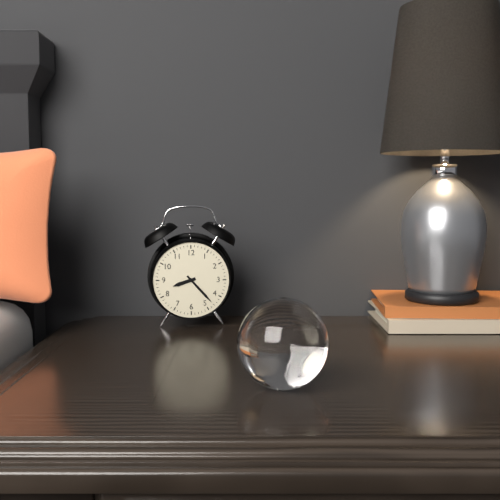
**8:23**
